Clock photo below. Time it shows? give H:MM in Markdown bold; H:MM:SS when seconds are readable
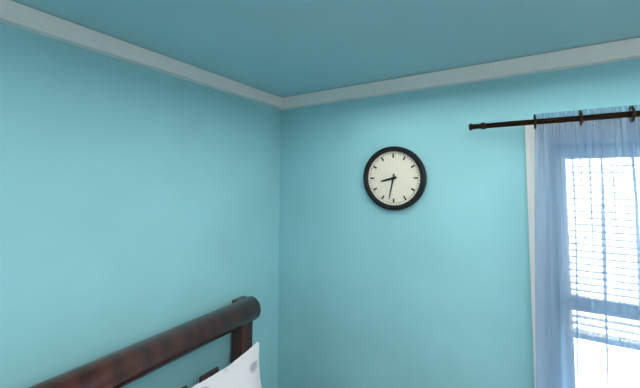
**8:32**
